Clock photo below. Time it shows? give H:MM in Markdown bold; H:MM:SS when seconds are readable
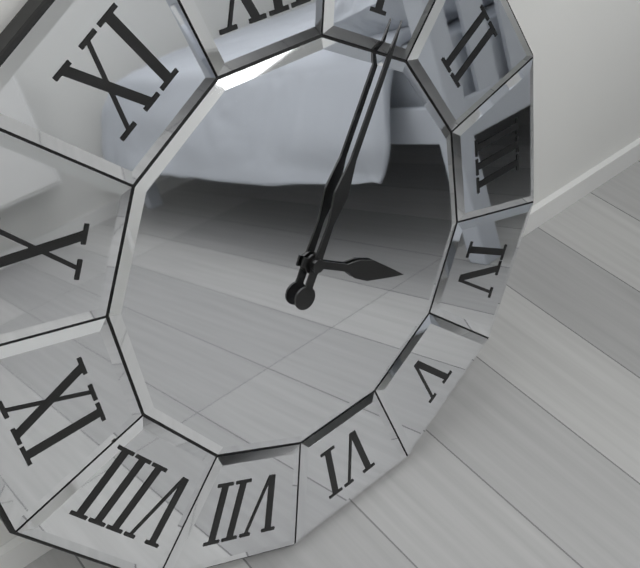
**4:06**
